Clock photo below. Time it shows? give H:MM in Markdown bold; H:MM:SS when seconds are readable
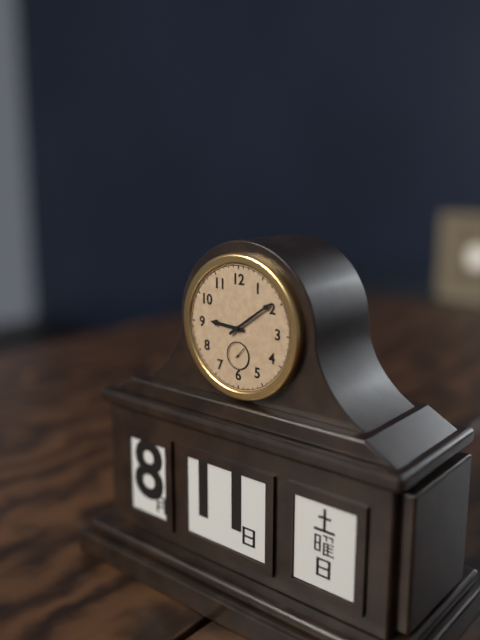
**9:09**
